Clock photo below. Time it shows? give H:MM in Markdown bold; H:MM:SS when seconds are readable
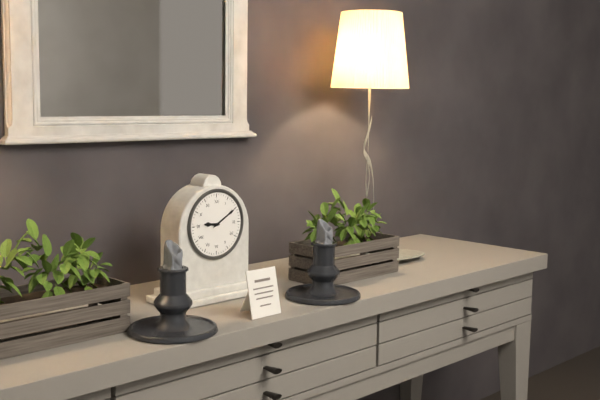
**9:10**
